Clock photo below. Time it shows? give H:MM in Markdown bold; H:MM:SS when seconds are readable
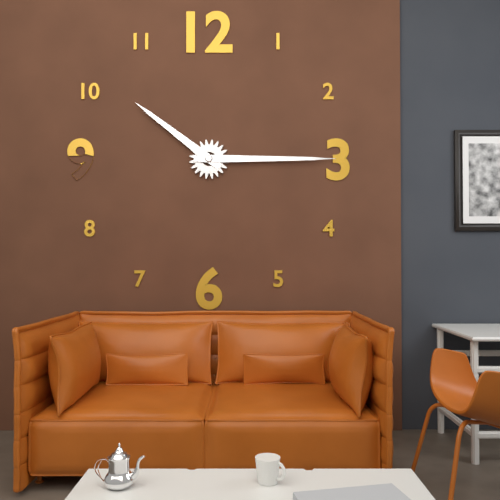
**10:15**
